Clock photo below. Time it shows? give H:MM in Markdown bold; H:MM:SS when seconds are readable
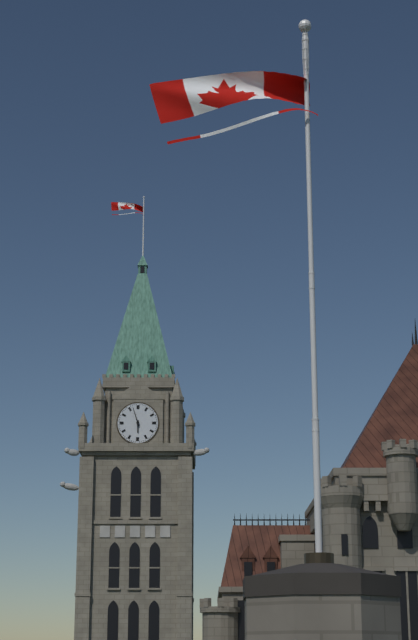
**5:57**
